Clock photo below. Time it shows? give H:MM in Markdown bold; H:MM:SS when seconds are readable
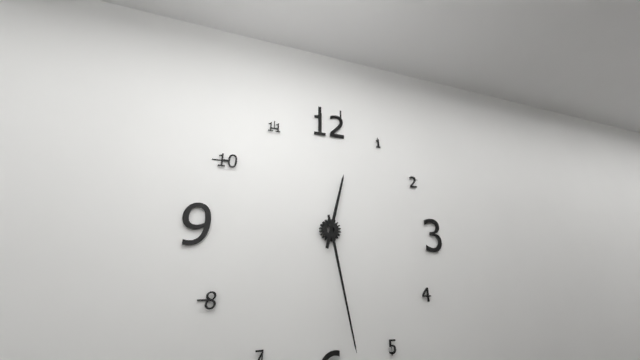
**12:28**
